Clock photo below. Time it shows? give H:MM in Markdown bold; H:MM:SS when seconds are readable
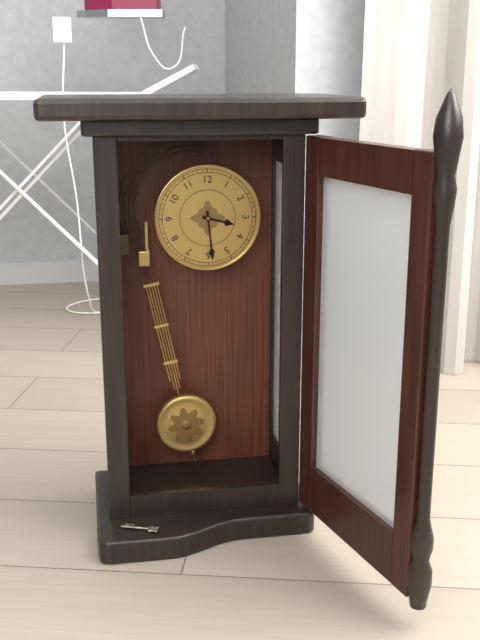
**3:29**
